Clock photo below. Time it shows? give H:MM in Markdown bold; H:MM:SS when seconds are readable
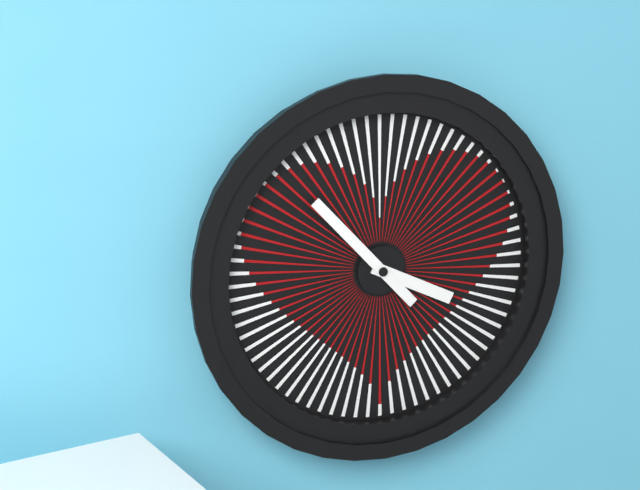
**3:53**
